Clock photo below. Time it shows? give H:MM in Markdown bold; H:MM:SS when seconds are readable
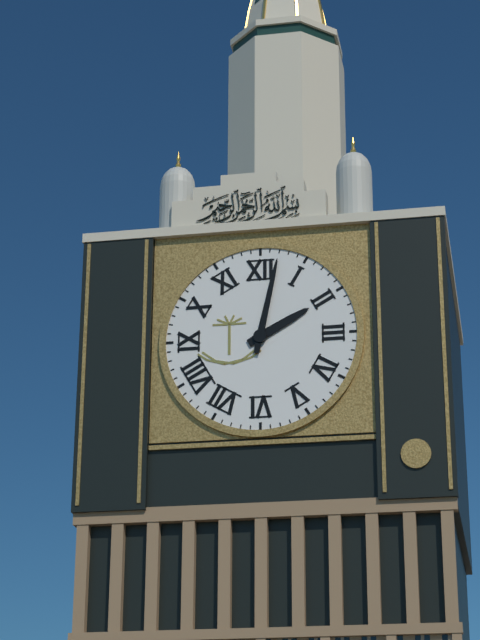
**2:02**
